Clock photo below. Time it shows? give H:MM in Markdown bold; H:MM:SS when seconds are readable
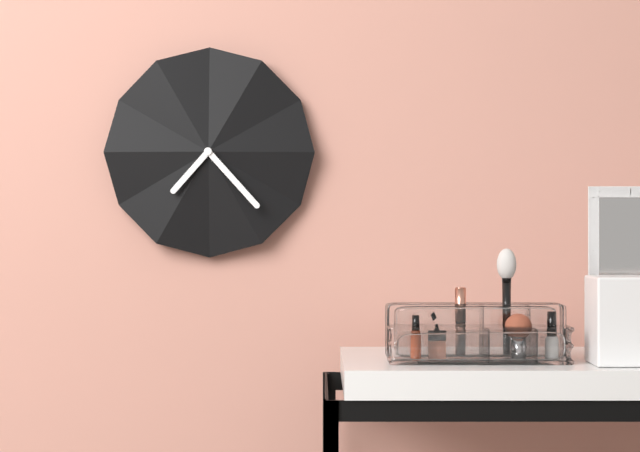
**7:23**
